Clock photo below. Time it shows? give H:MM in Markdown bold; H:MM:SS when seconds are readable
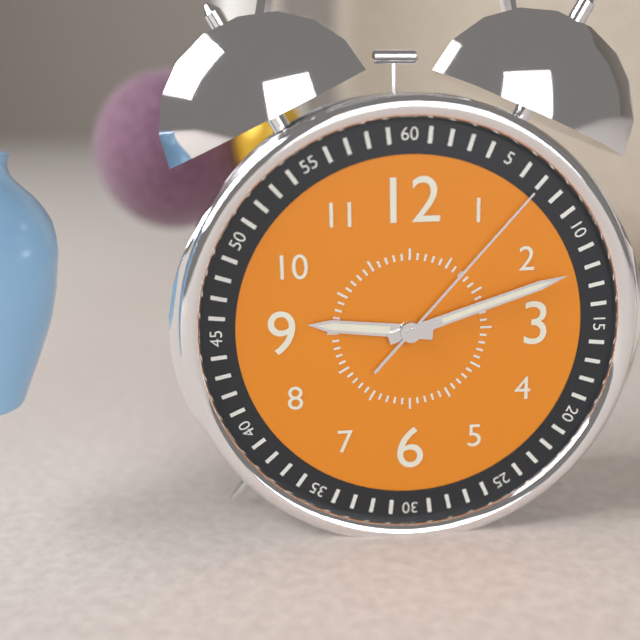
**9:12:07**
